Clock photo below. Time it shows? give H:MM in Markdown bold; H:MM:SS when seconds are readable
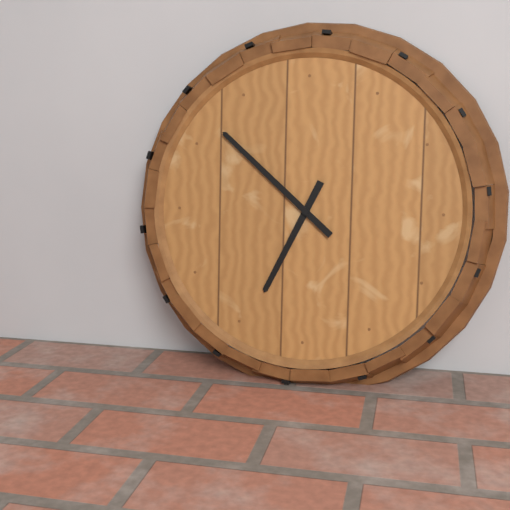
**6:52**
